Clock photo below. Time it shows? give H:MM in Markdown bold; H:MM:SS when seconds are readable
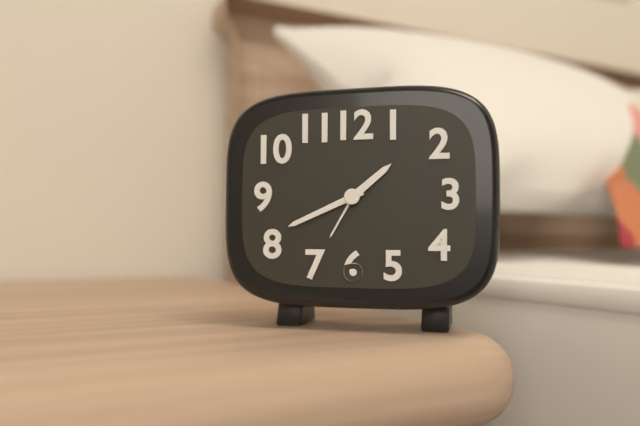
**1:41**
